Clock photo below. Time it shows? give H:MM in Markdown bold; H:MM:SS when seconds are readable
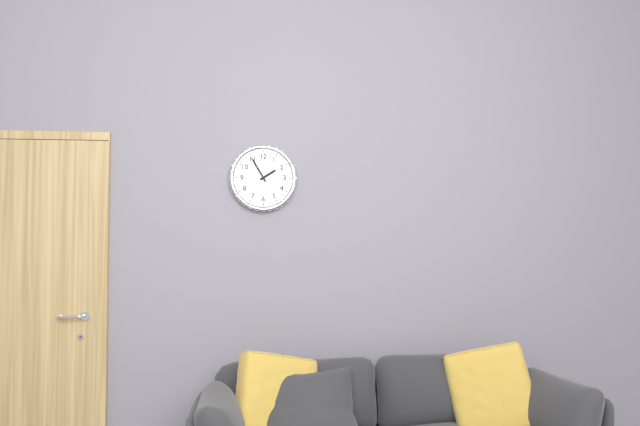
**1:55**
